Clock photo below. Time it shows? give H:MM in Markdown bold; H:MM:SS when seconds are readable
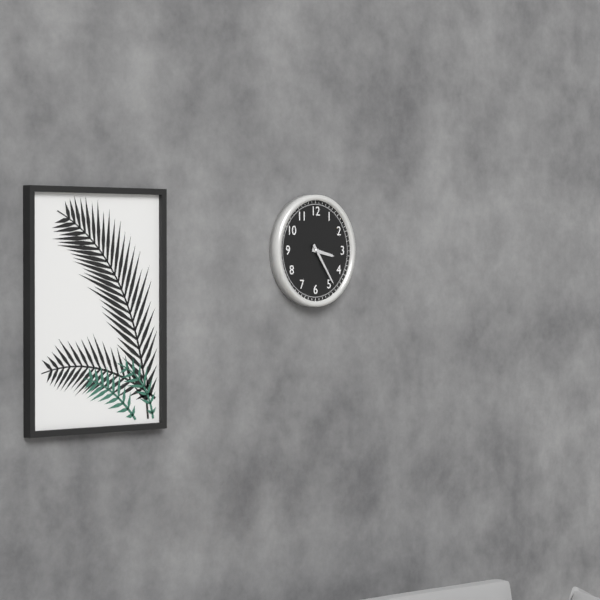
**3:24**
